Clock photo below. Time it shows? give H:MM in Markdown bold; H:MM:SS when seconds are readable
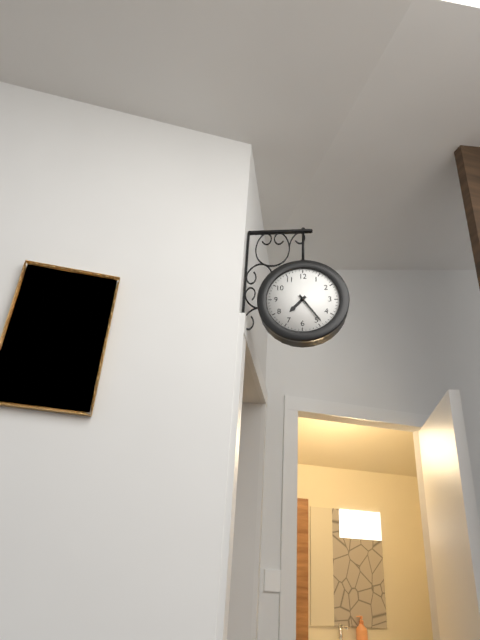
**7:24**
